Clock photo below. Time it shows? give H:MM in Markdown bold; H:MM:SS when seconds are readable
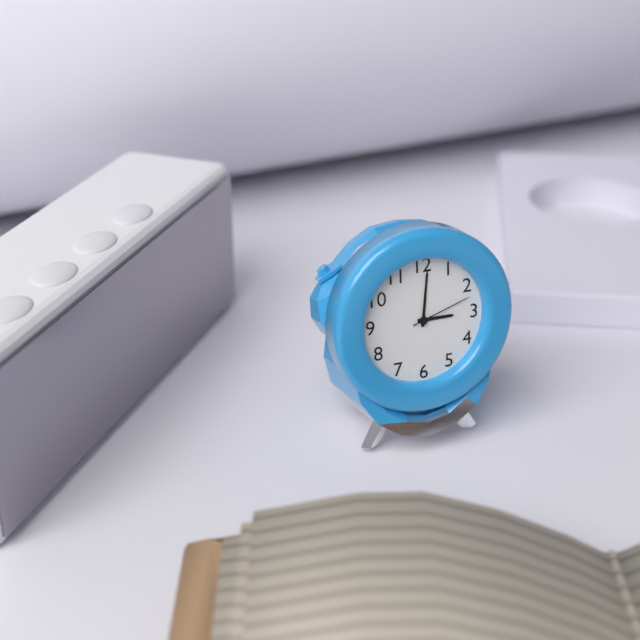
**3:01:12**
